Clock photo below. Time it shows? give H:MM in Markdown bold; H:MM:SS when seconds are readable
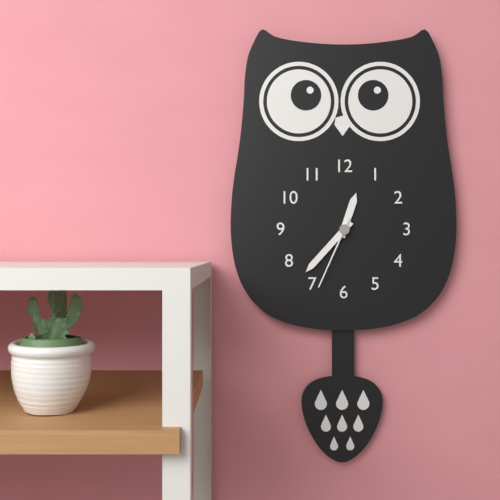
**12:37:34**
